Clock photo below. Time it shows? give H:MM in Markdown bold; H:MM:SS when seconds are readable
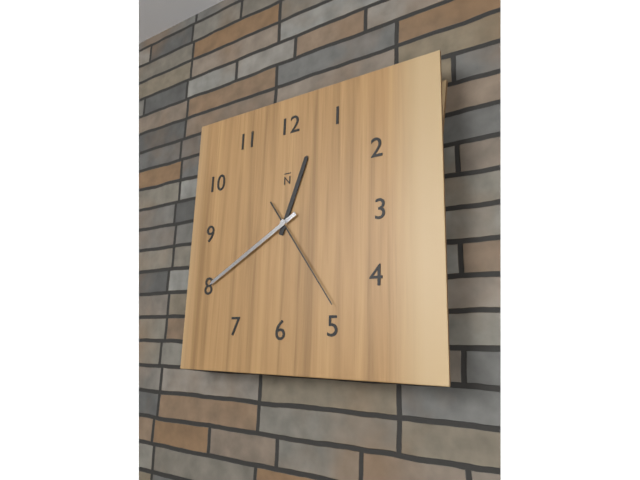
**12:40:24**
